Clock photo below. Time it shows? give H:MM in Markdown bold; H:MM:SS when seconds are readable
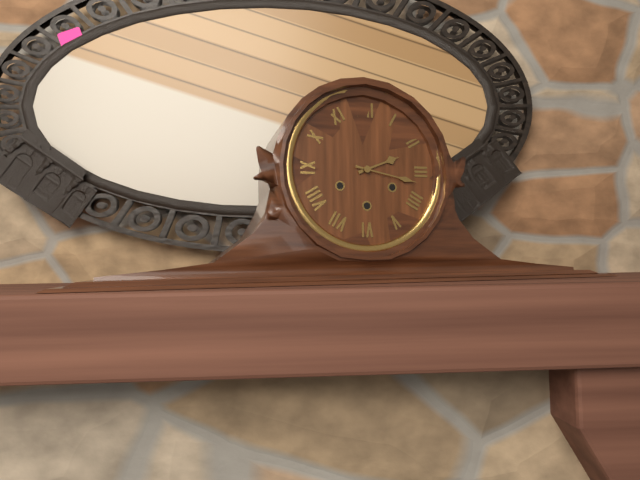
**2:17**
